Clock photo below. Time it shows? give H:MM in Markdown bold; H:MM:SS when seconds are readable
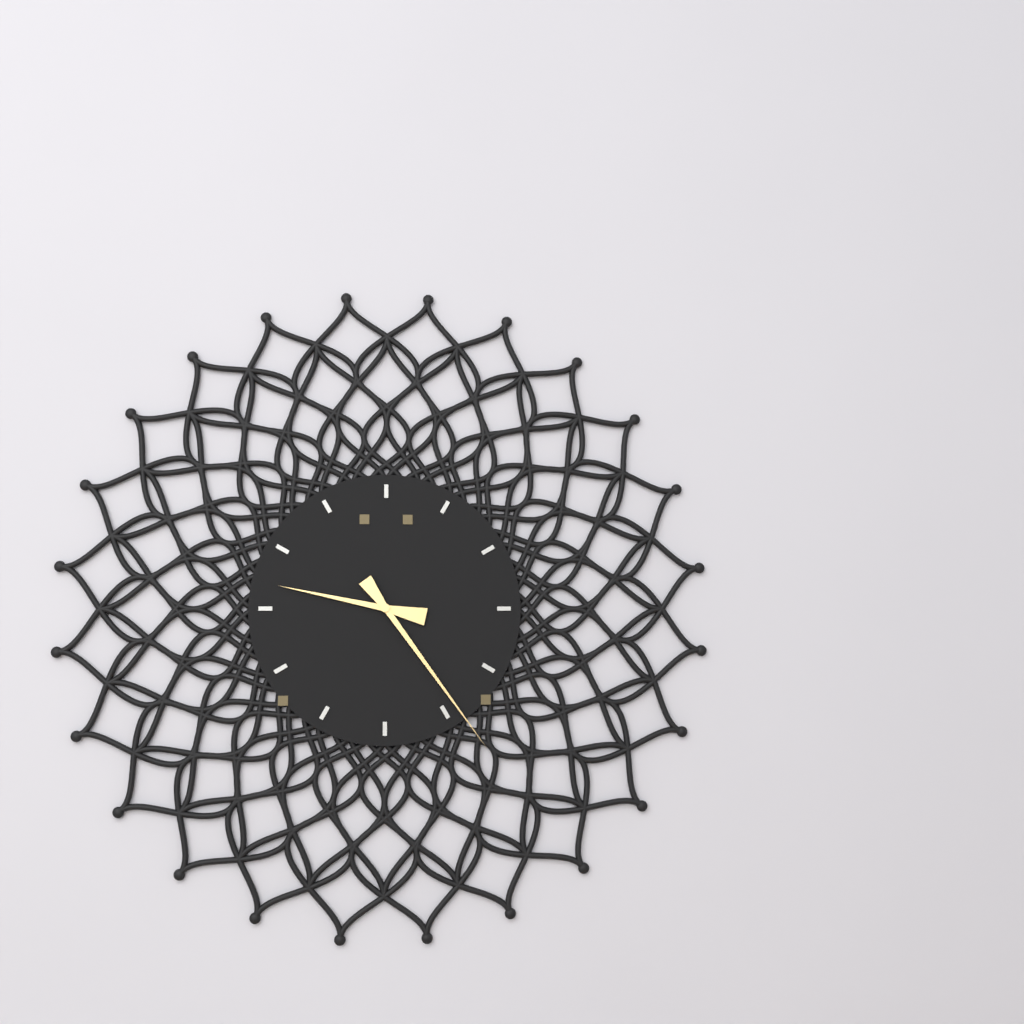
**9:24**
